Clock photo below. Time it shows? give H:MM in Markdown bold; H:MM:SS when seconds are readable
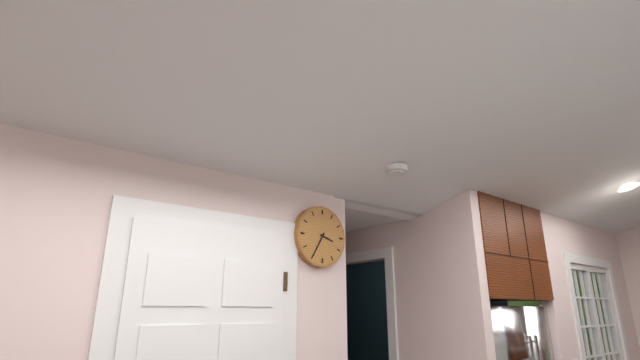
**3:35**
